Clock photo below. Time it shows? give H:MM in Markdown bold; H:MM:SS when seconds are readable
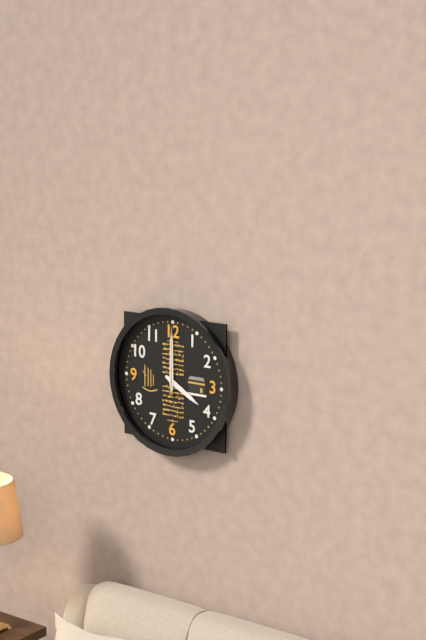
**4:00:00**
